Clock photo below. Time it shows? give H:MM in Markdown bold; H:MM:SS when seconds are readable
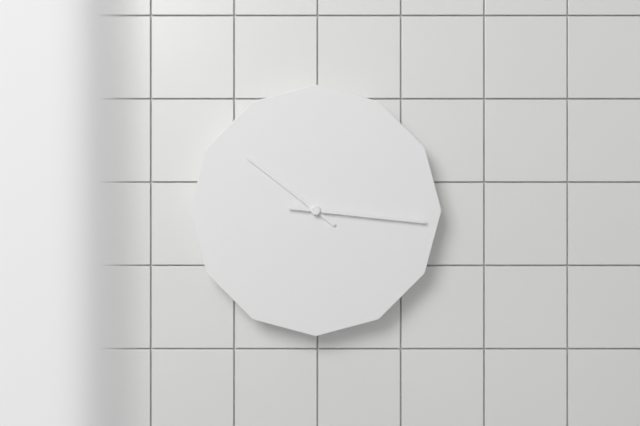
**10:16**
